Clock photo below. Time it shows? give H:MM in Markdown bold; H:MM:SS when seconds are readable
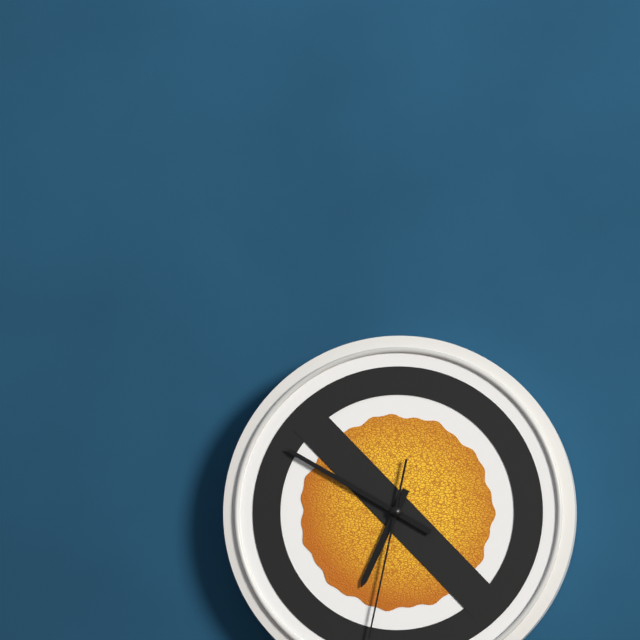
**6:50:32**
